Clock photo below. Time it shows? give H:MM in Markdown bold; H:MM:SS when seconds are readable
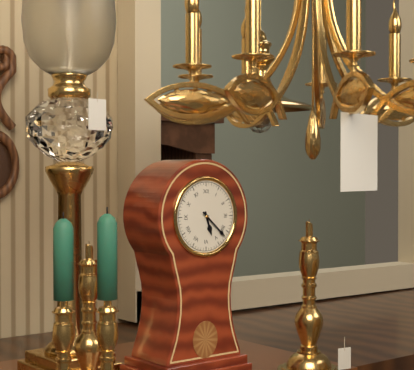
**5:22**
